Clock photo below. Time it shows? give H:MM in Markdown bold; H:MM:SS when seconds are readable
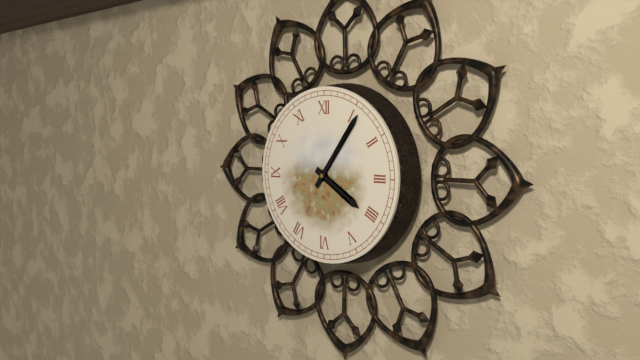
**4:06**
